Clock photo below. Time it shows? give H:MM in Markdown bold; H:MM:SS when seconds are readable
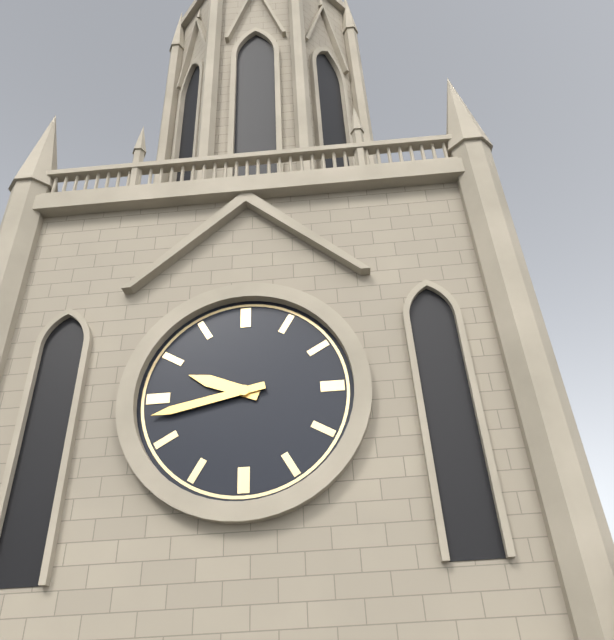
**9:43**
